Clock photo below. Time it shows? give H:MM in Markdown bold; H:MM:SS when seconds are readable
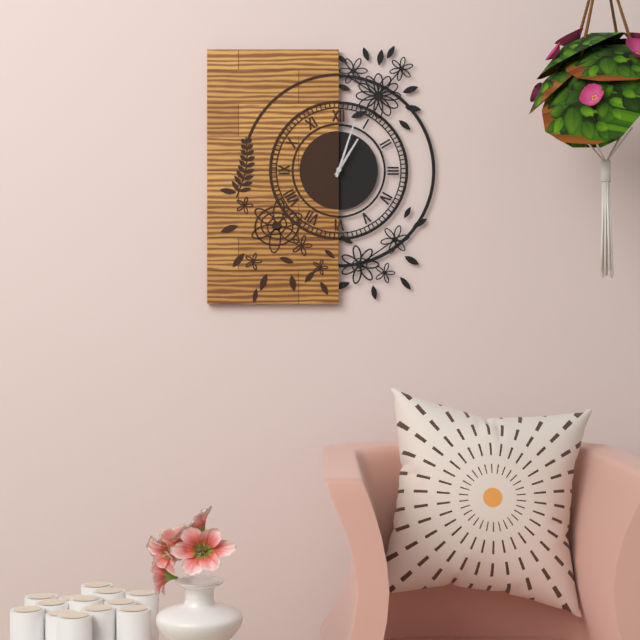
**1:03**
